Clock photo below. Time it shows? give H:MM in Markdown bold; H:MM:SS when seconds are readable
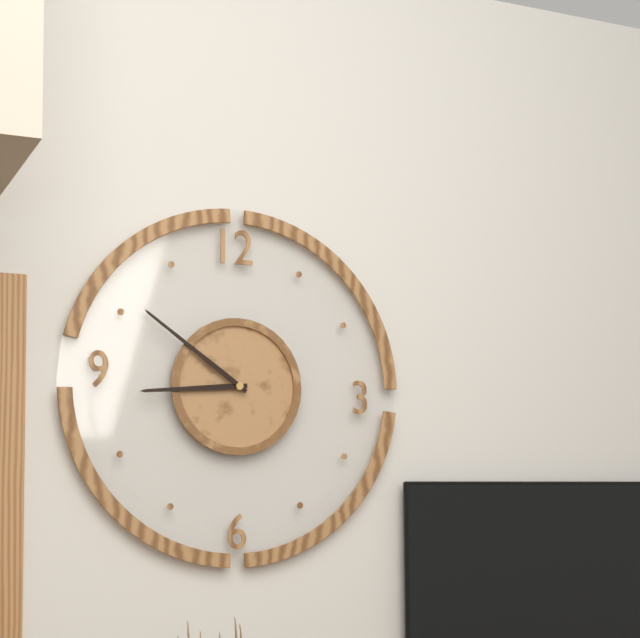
**8:51**
